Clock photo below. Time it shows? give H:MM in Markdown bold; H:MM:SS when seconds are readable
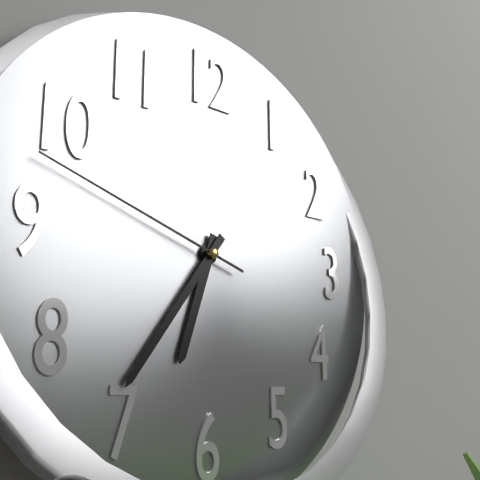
**6:36:48**
